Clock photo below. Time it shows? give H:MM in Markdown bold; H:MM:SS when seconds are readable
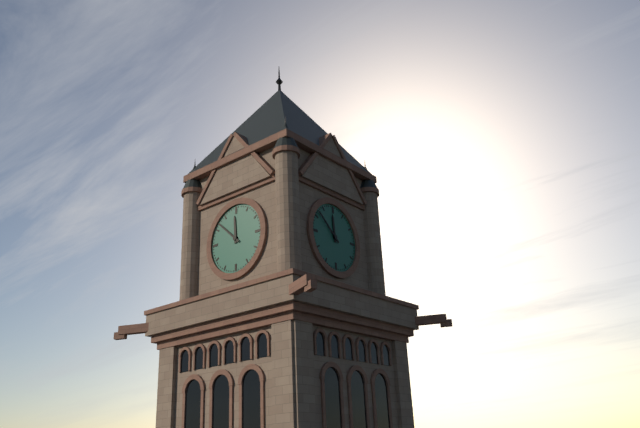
**11:52**
